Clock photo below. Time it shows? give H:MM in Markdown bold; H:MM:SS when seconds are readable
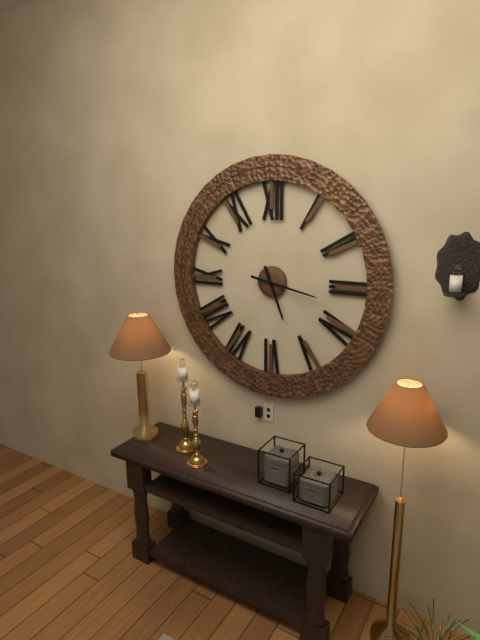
**5:17**
